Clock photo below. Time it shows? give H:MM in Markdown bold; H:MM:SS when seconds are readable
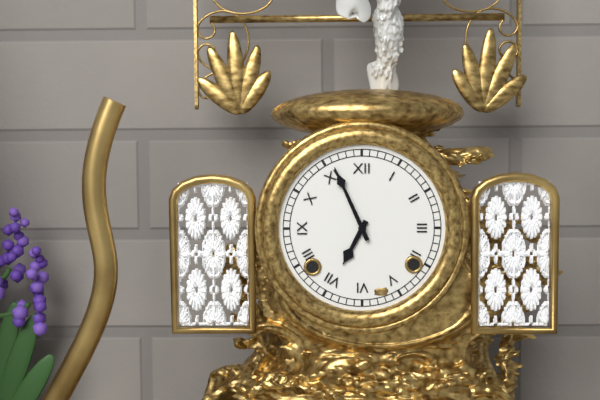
**6:56**
